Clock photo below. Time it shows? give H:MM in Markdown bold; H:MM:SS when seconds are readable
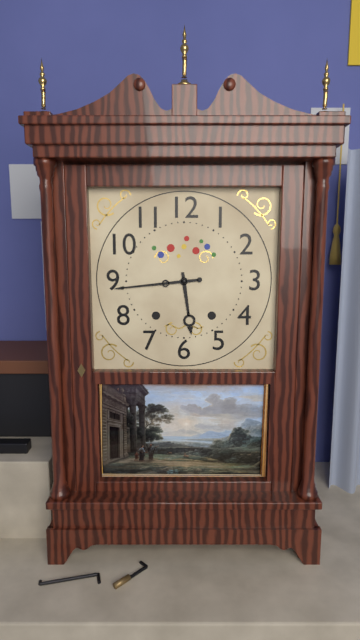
**5:44**
